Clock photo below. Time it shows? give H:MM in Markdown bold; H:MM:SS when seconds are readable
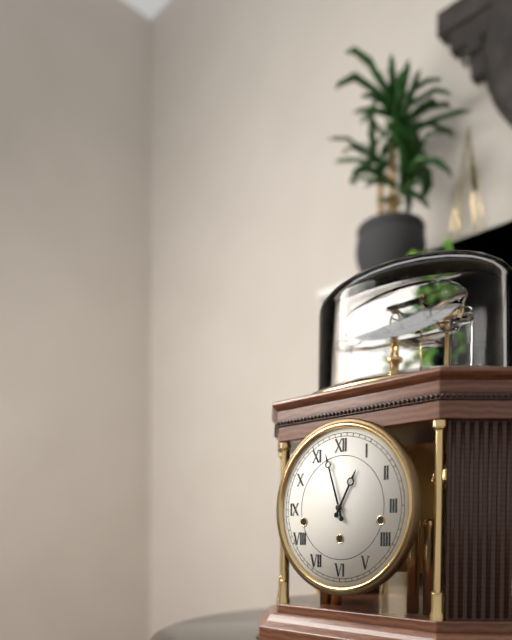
**12:57**
